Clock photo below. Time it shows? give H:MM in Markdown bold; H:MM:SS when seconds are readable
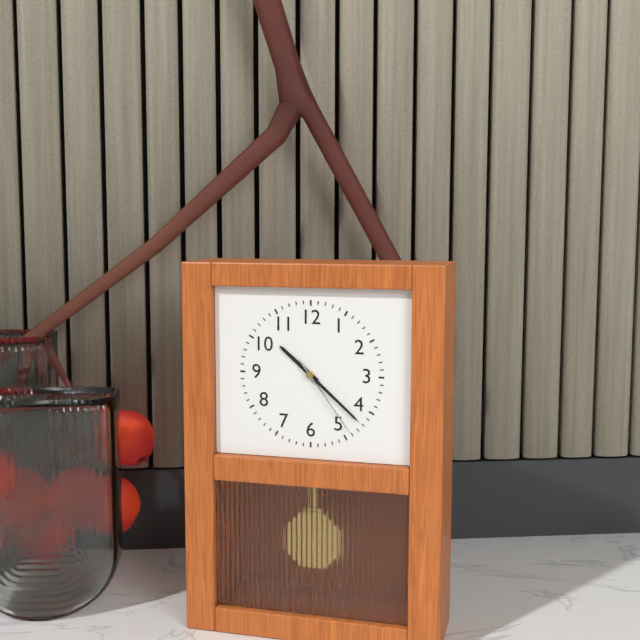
**10:22:24**
